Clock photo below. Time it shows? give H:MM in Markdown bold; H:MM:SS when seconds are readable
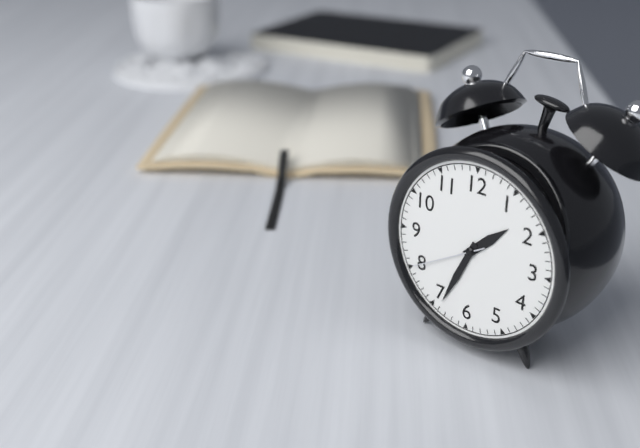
**1:34:40**
